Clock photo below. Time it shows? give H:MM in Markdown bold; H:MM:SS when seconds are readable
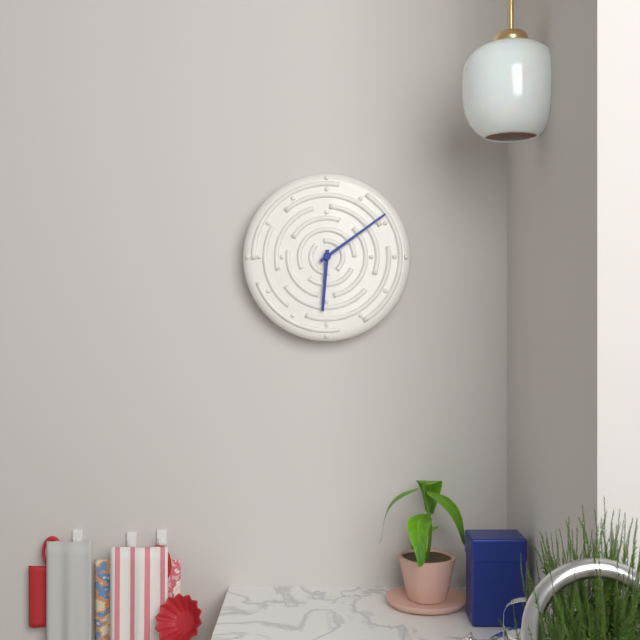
**6:09**
